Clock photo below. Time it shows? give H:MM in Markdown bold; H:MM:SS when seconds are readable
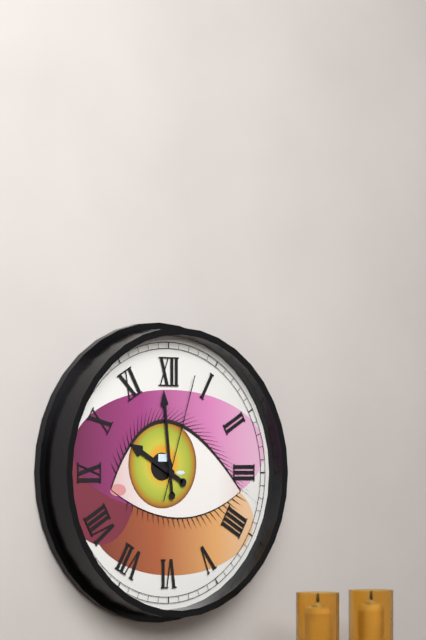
**9:59:03**
